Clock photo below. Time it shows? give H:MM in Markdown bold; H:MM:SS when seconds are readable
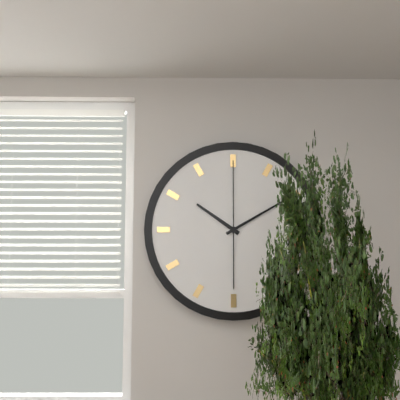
**10:10:00**
